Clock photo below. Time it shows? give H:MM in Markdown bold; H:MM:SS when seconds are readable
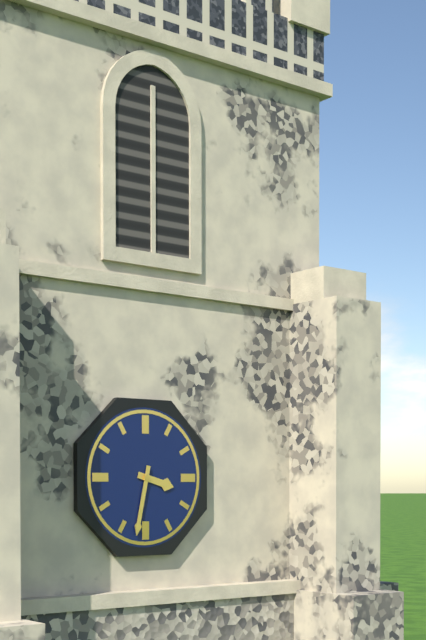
**3:32**
